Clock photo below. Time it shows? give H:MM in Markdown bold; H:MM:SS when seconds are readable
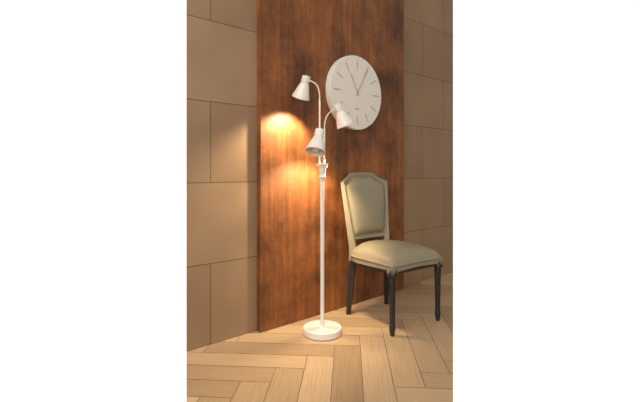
**11:05**
